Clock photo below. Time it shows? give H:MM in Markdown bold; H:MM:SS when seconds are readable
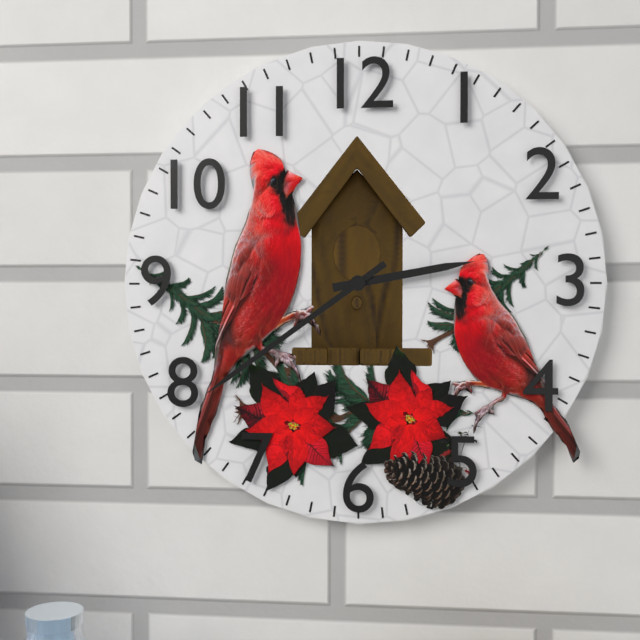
**2:39**
